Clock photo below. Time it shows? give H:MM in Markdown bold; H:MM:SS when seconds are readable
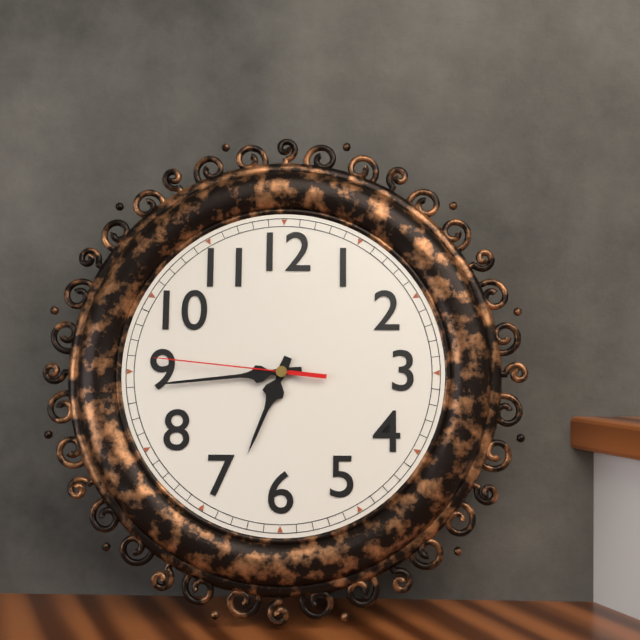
**6:44:46**
